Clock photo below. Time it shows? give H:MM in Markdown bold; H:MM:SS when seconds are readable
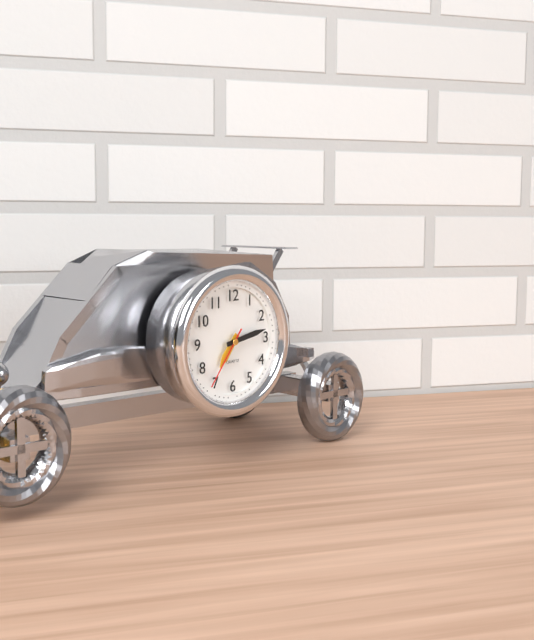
**7:13:36**
